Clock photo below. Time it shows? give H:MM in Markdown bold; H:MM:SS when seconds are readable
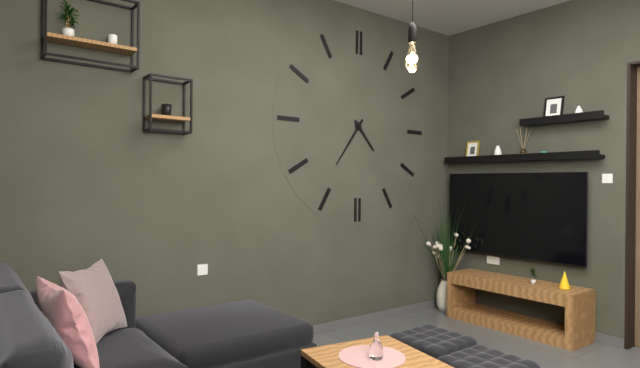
**4:36**
